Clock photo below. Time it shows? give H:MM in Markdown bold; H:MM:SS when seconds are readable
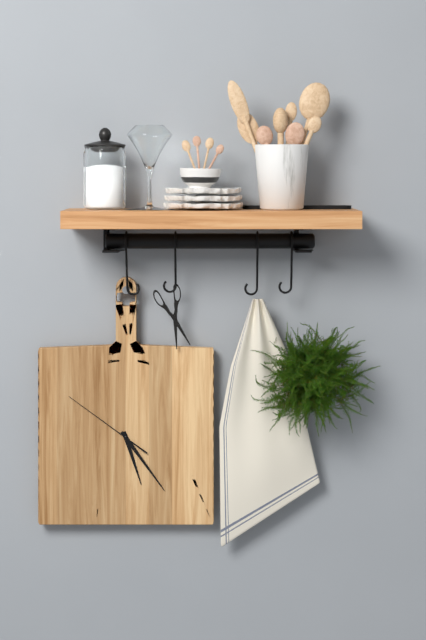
**5:24:51**
